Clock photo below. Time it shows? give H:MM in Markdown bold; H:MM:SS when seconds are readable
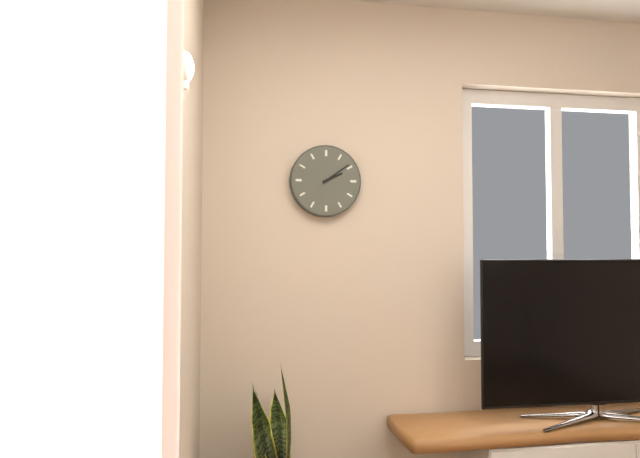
**2:09**
